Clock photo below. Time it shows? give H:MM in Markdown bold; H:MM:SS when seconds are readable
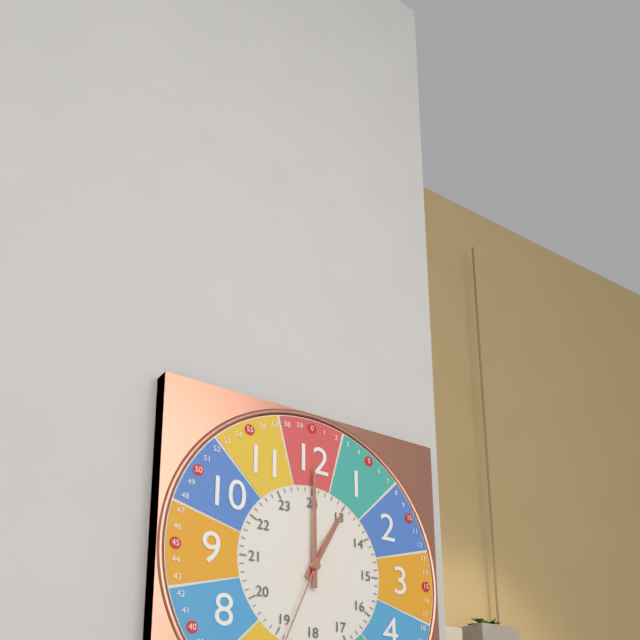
**1:00**
